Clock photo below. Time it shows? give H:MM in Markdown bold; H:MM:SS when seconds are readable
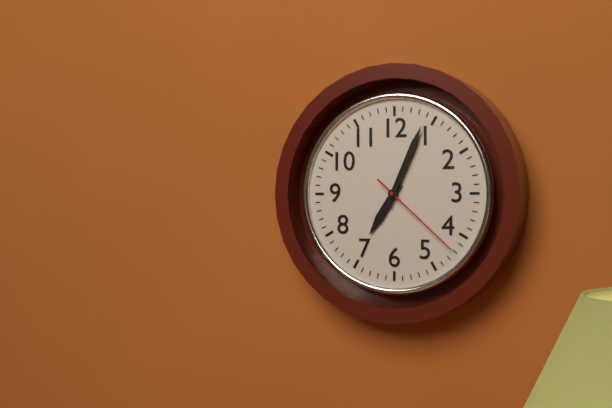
**7:04:22**
